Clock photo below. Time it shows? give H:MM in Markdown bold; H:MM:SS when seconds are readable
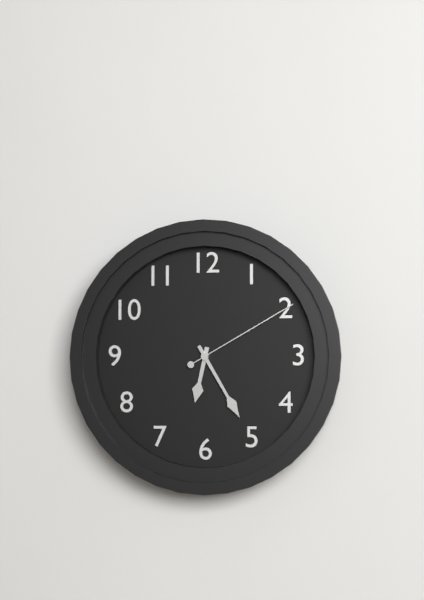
**6:25:10**
